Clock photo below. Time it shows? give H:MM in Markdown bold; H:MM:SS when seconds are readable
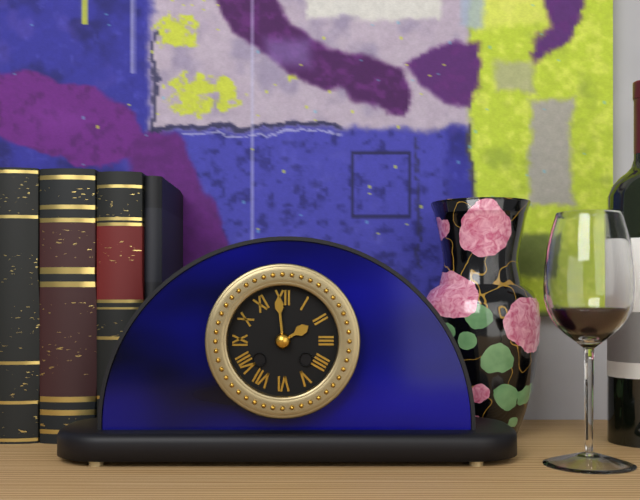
**1:59**
